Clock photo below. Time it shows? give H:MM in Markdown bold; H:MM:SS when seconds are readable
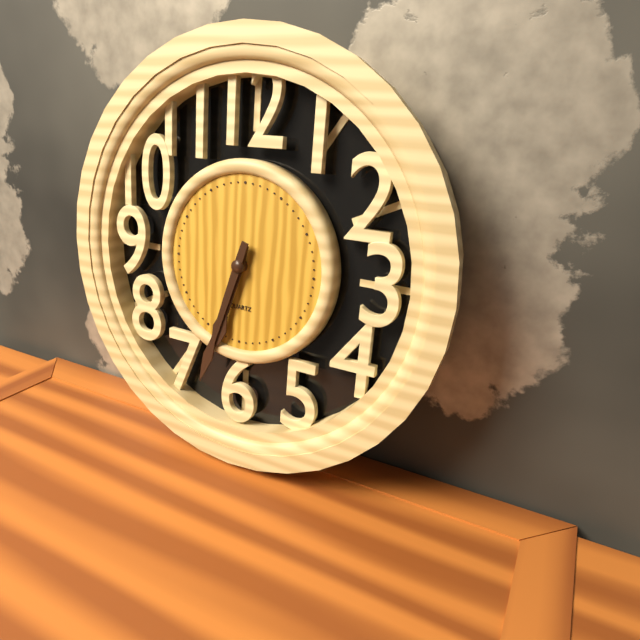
**6:33**
